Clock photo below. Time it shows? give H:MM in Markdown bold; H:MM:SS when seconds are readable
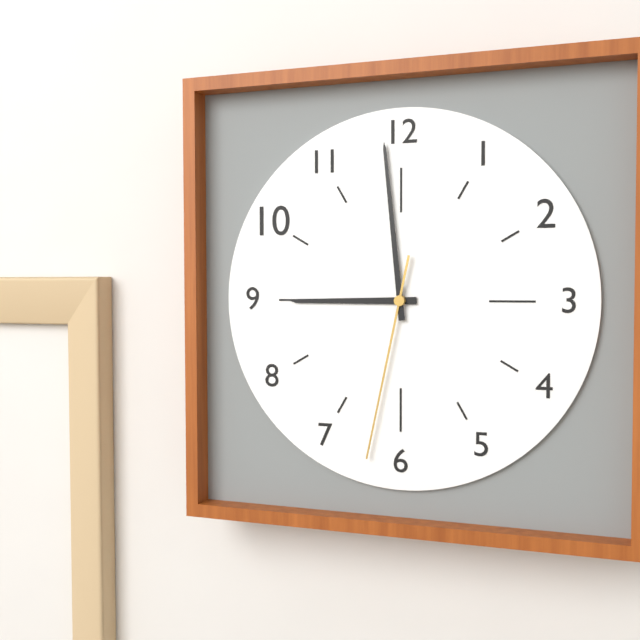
**8:59:32**
